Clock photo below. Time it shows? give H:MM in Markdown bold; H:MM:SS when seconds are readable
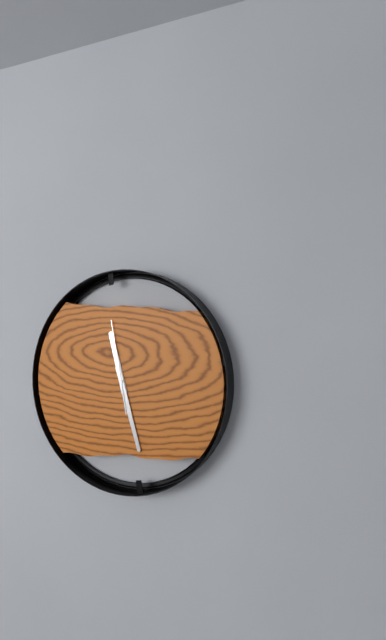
**11:27:58**
